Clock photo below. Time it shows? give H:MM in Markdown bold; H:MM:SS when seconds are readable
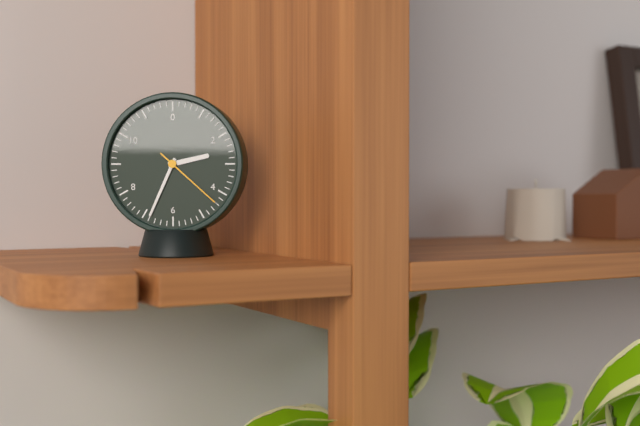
**2:34:22**
